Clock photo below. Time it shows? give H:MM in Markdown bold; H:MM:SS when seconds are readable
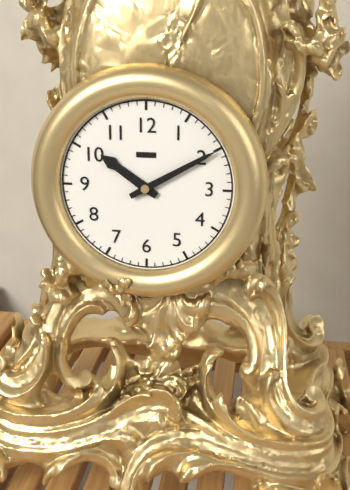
**10:10**
